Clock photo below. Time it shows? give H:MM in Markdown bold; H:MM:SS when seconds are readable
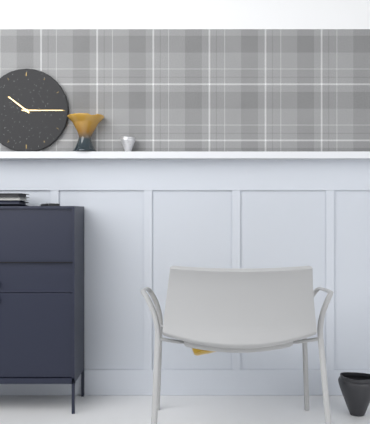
**10:15**
